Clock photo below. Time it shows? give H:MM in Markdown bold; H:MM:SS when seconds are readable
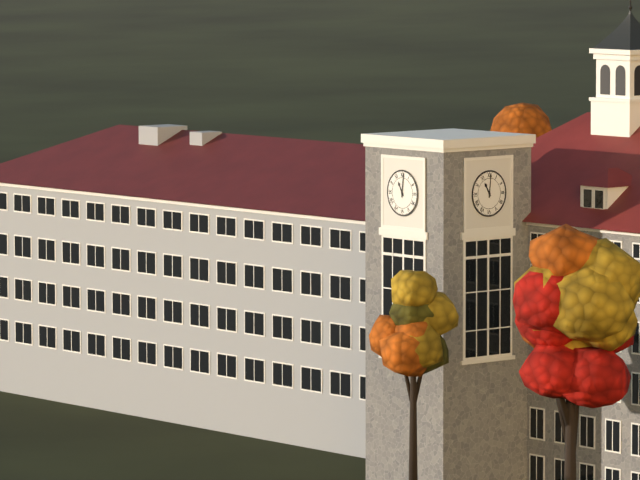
**11:01**
